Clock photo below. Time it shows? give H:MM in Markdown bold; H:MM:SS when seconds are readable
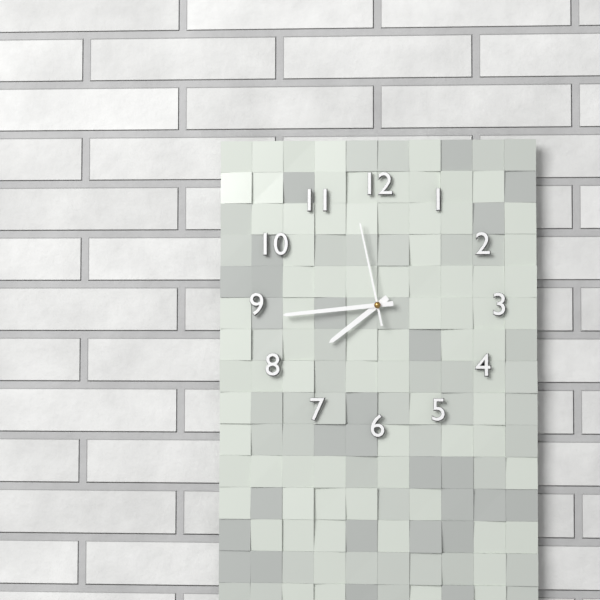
**7:44:58**
